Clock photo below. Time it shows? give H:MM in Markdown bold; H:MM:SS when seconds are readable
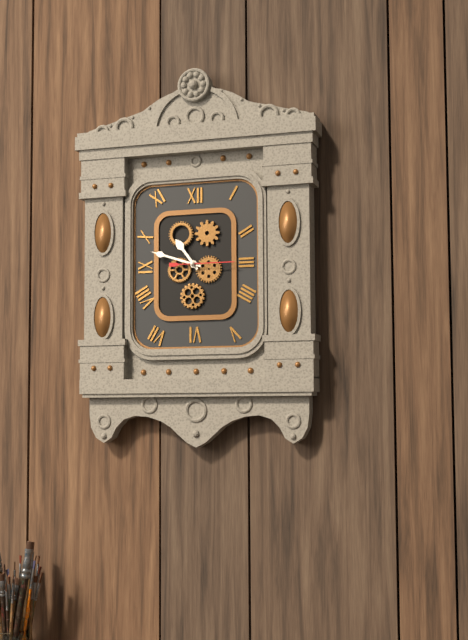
**10:48:15**
